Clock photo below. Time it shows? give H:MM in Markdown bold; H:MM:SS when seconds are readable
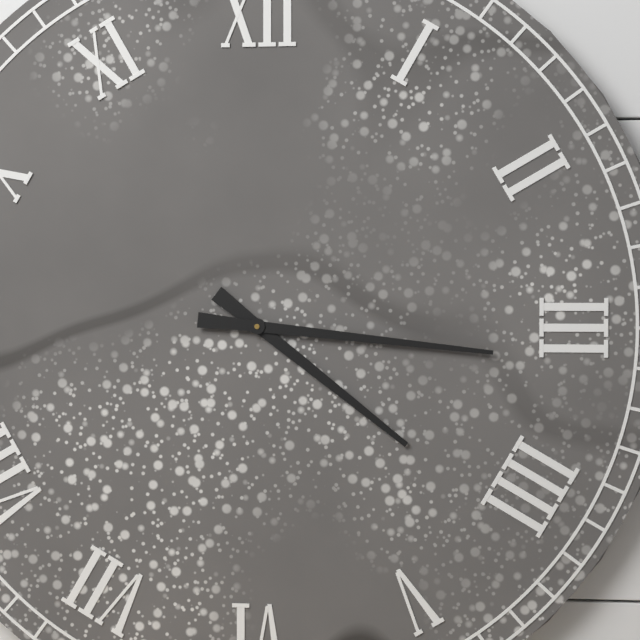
**4:16**
